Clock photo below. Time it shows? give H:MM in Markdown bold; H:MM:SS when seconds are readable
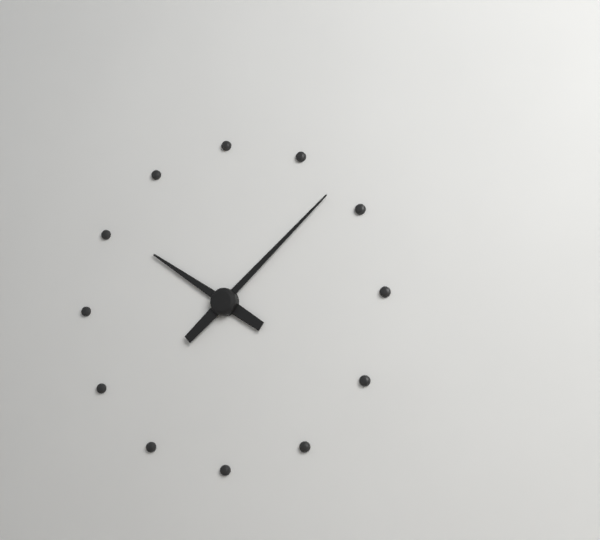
**10:08**
